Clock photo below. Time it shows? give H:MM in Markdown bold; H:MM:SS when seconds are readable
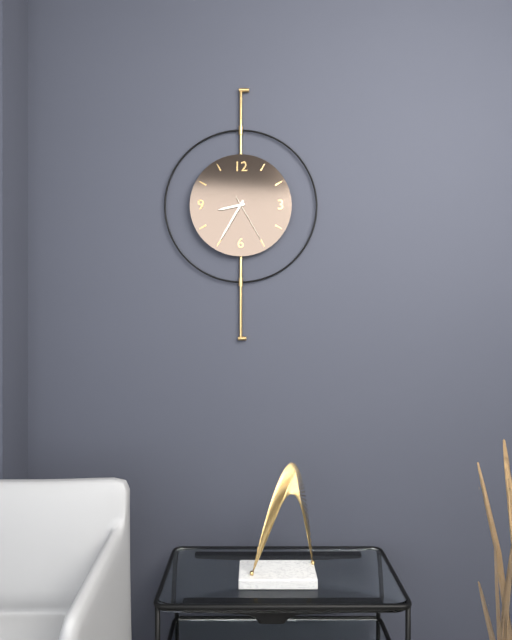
**8:35:25**
